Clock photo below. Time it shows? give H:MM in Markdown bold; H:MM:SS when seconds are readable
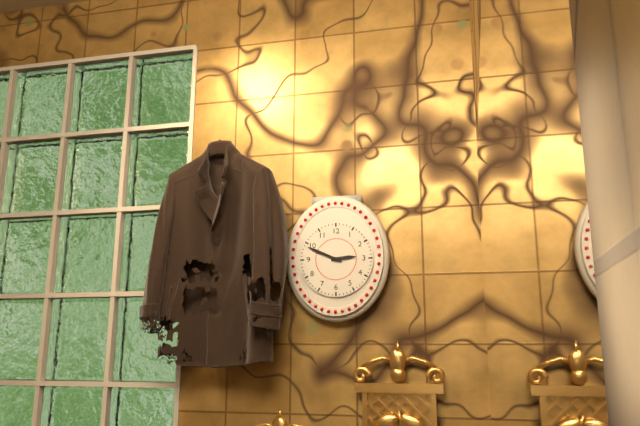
**2:49**
